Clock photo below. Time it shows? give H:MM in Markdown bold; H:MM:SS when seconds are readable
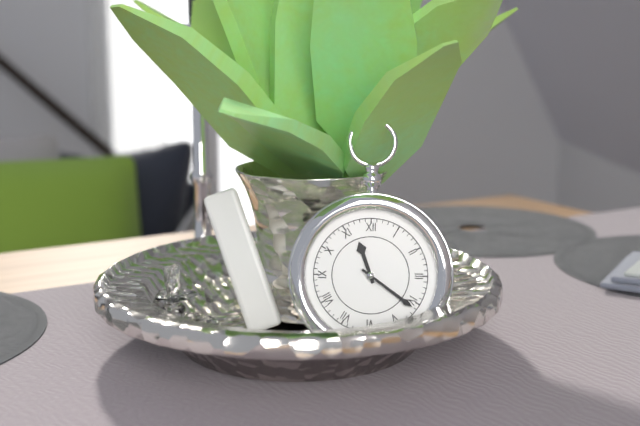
**11:21**
